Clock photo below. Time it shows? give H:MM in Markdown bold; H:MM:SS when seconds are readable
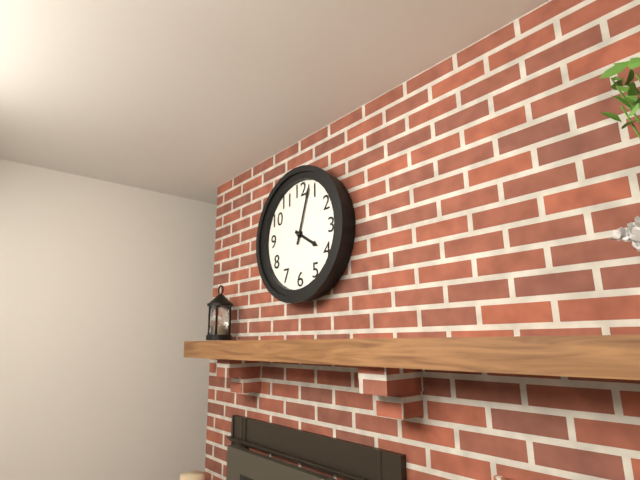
**4:03**
